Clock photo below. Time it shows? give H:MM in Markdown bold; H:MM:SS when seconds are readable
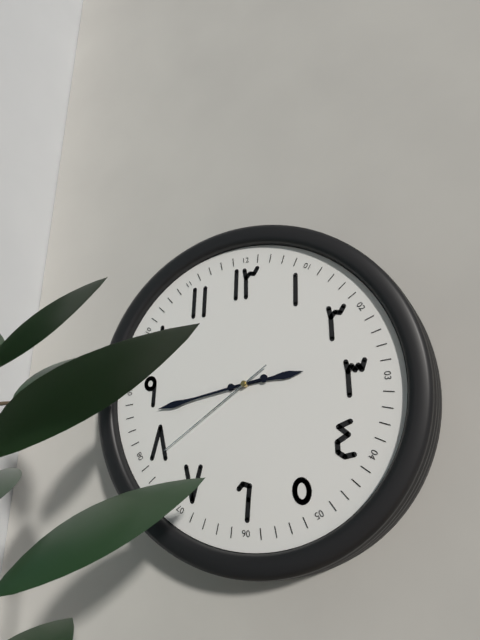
**2:43:39**
